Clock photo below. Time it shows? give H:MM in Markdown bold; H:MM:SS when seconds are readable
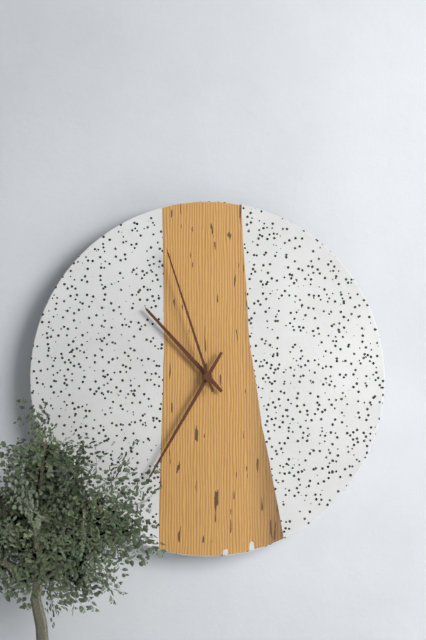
**10:35:57**
